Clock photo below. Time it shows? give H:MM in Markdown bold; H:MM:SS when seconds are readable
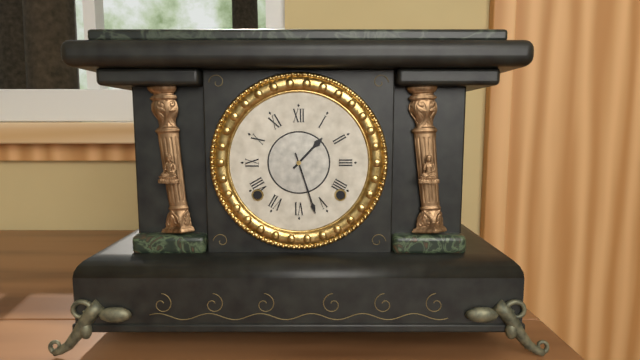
**1:27**
